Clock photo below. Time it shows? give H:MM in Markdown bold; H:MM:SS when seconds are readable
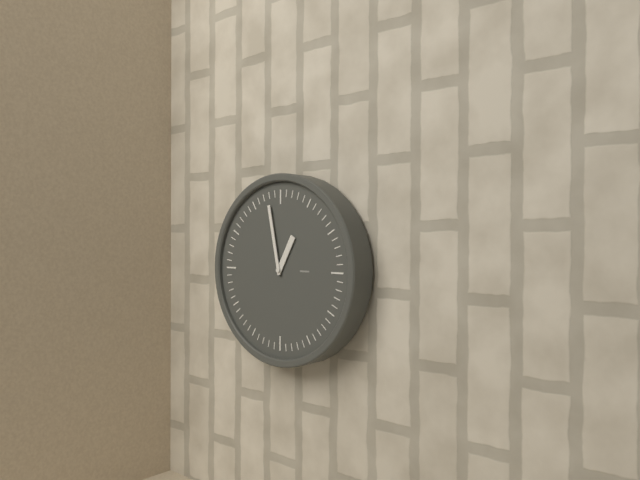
**12:58**
